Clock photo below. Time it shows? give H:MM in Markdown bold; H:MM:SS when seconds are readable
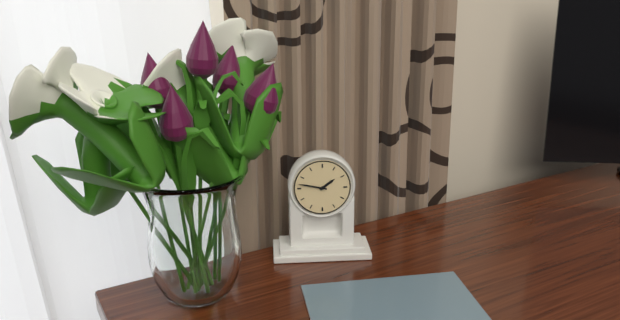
**1:47**
